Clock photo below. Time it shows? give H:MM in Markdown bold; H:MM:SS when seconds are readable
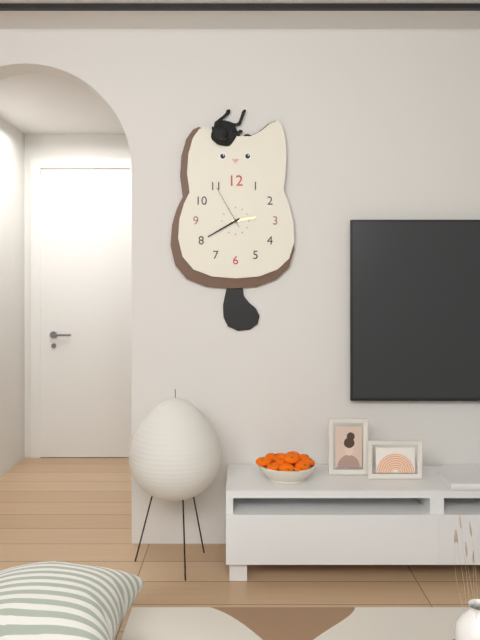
**2:40**
